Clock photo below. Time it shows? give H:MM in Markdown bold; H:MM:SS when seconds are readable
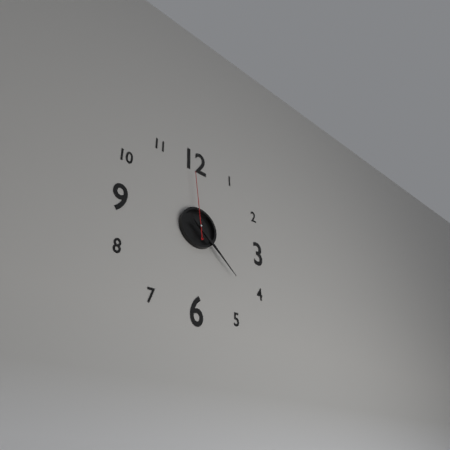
**4:22:59**
